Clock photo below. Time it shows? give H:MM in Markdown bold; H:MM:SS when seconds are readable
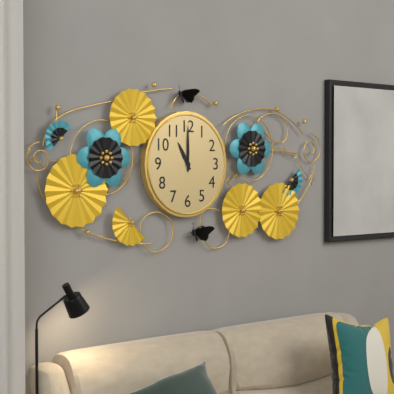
**11:00**
